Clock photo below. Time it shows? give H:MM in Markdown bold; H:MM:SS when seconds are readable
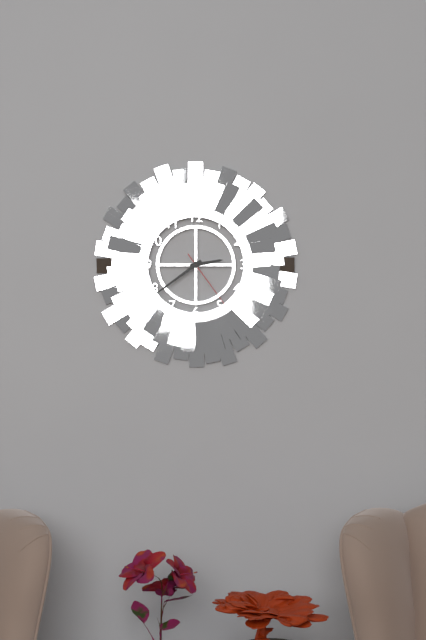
**2:39:24**
